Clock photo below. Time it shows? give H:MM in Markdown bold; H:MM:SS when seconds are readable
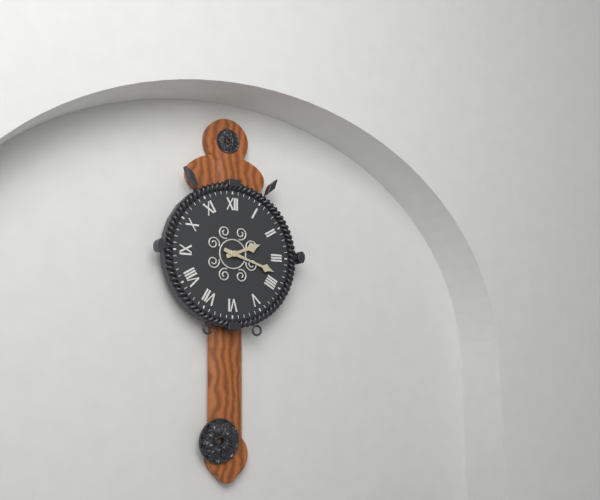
**2:18**
